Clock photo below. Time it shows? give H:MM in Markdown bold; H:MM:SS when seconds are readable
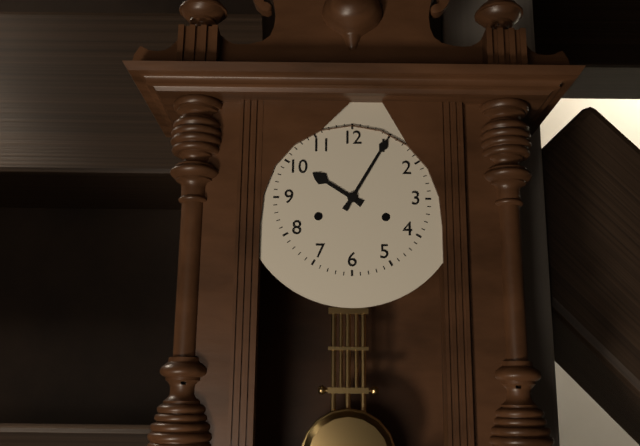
**10:05**
